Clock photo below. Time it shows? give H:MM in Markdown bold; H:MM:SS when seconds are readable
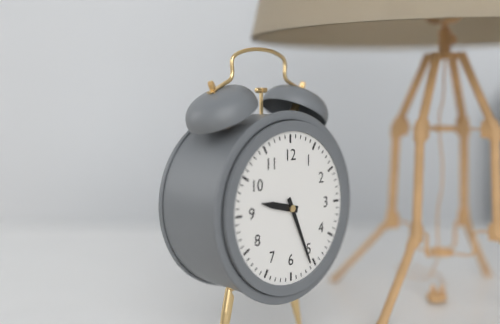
**9:26**
